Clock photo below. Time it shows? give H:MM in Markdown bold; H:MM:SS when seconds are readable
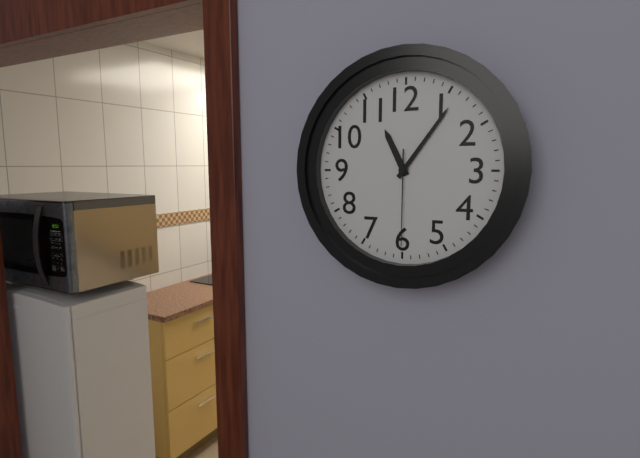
**11:06:30**
